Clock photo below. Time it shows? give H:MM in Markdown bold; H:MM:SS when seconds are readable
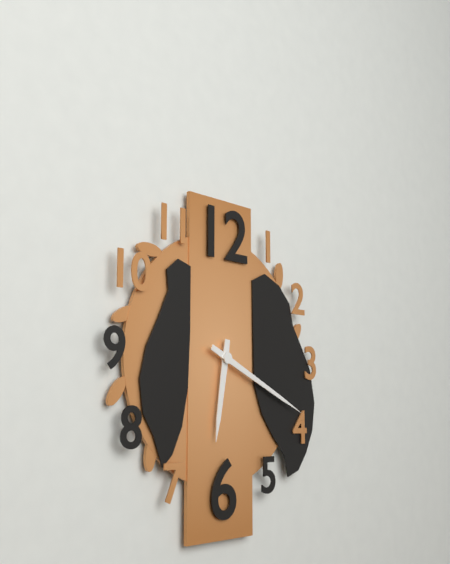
**6:19**
